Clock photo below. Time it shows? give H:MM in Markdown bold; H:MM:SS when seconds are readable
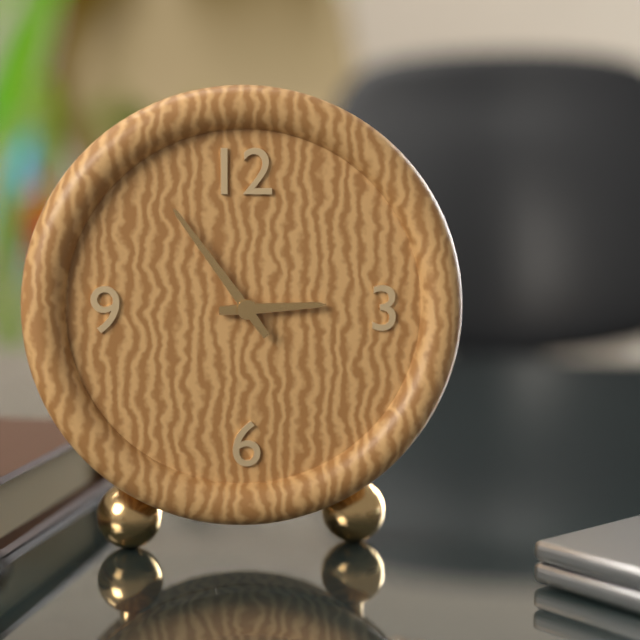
**2:54**
